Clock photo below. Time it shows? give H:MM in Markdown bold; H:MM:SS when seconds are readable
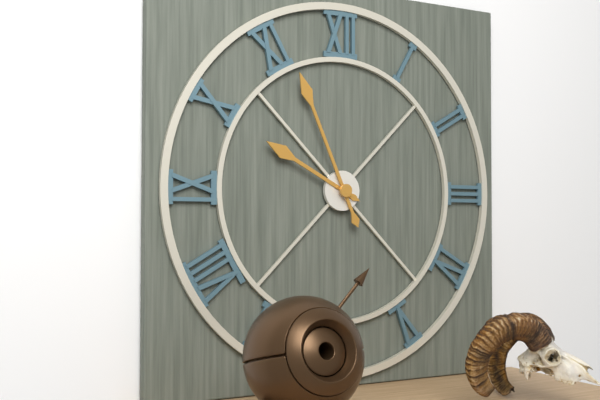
**9:56**
